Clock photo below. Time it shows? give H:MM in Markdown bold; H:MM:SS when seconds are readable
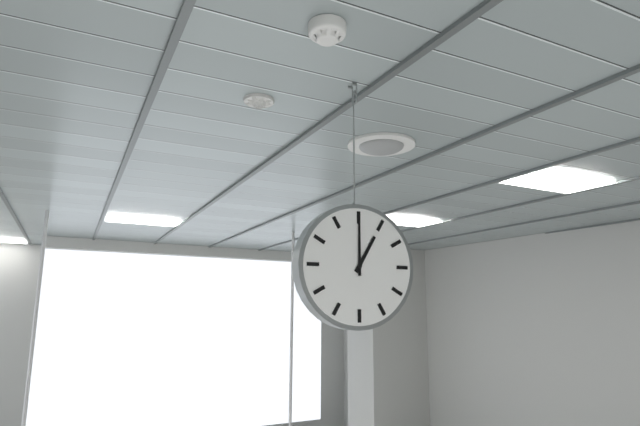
**1:00**
